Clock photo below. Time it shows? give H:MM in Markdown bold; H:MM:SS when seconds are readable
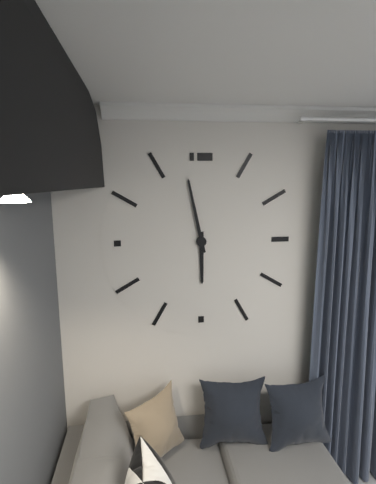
**5:58**
